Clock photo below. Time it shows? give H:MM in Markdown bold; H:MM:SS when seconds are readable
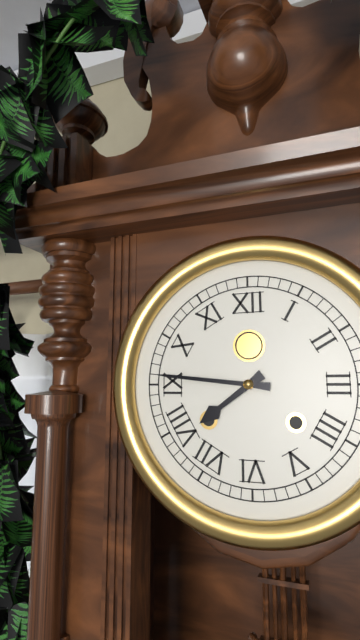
**7:46**
